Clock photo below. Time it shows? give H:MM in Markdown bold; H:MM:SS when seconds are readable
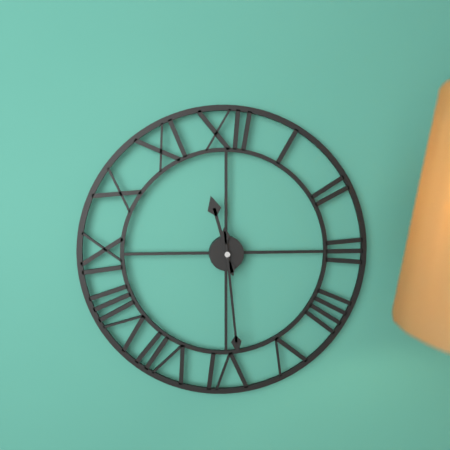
**11:29**
